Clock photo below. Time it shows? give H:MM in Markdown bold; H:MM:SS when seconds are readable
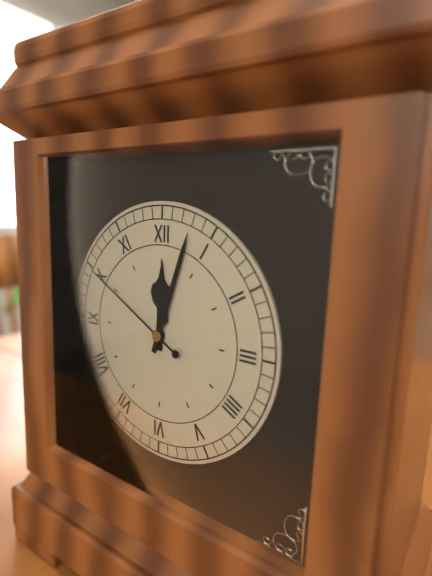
**12:03:50**
